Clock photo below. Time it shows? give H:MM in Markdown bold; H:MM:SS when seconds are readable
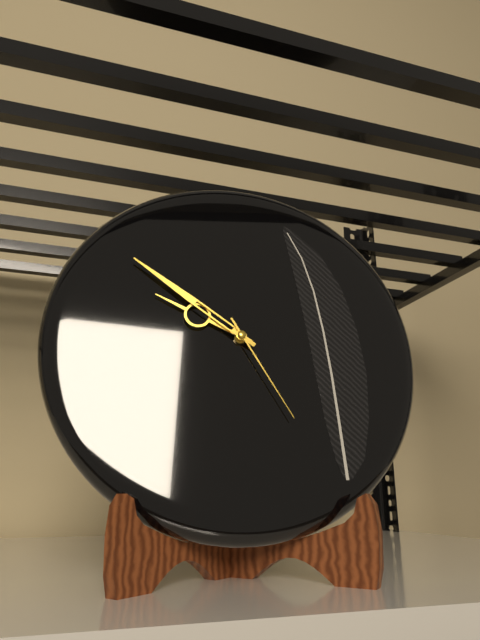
**9:51:25**
